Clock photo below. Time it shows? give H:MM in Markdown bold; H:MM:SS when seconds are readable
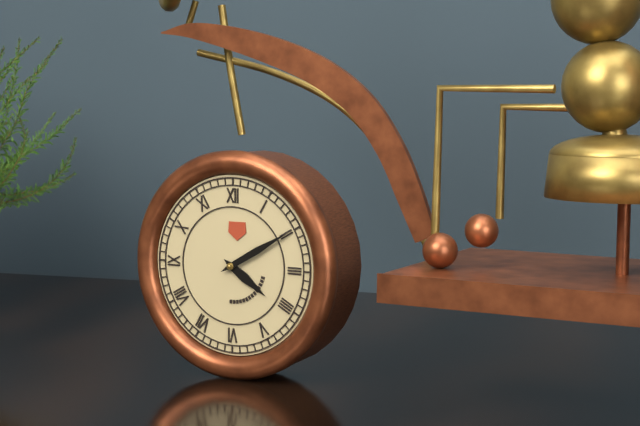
**4:10**
